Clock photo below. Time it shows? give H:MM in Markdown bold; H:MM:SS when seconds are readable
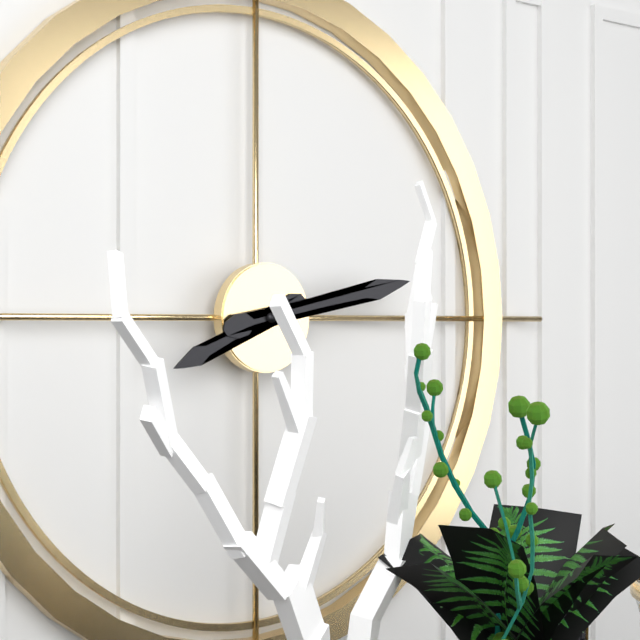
**8:13**
